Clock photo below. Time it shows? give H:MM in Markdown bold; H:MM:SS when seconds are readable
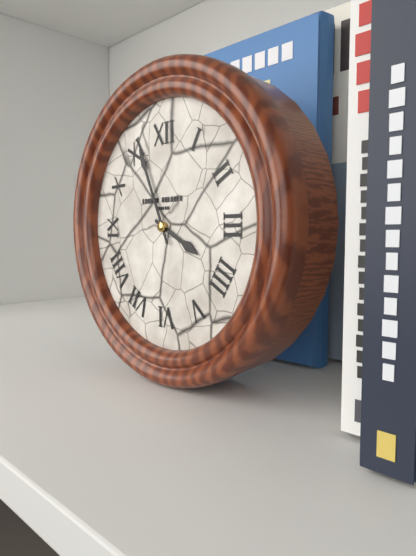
**3:56**
